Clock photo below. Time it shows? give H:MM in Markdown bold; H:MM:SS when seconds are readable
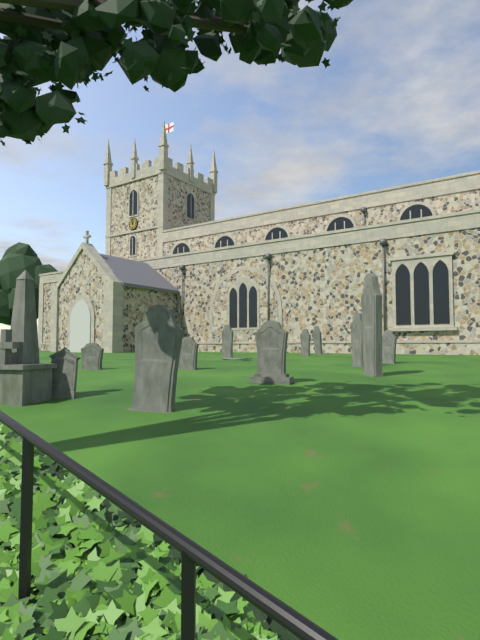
**12:58**
